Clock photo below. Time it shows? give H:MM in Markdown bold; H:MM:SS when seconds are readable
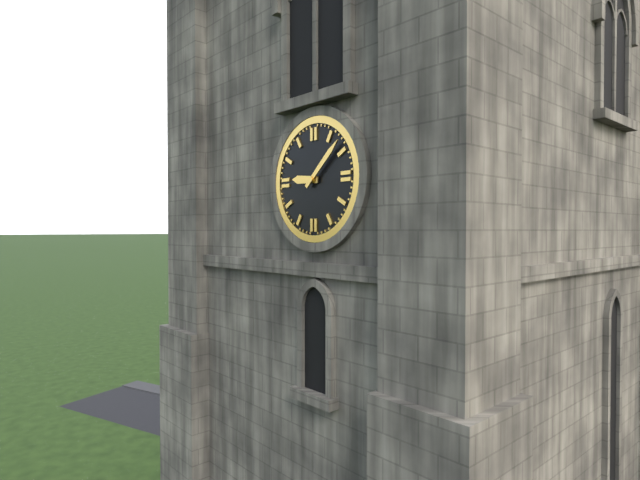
**9:08**
